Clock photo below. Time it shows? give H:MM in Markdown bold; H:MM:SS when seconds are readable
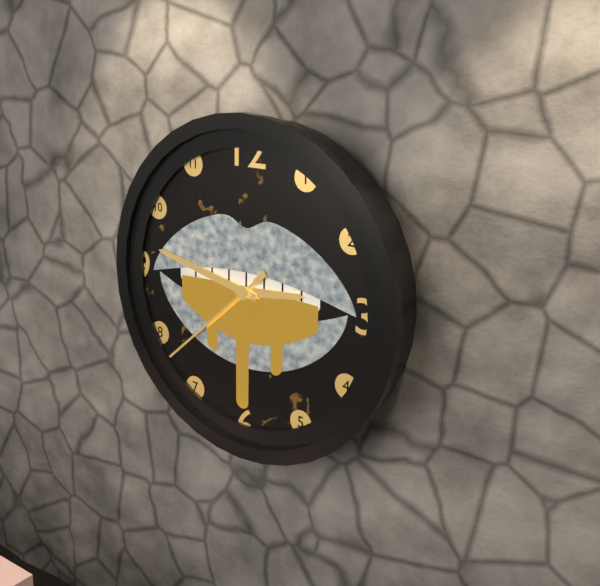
**2:47:38**
